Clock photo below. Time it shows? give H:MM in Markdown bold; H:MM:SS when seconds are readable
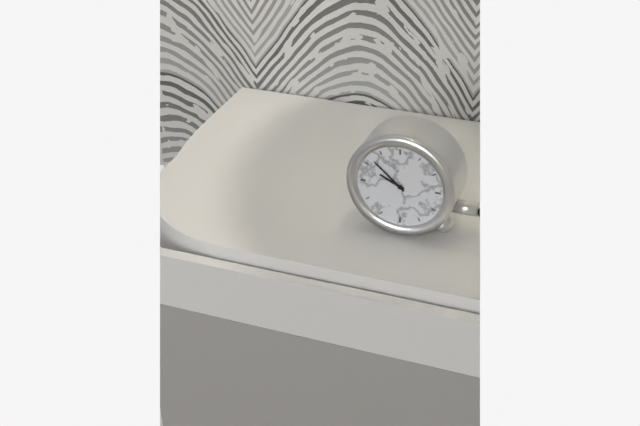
**9:52**
